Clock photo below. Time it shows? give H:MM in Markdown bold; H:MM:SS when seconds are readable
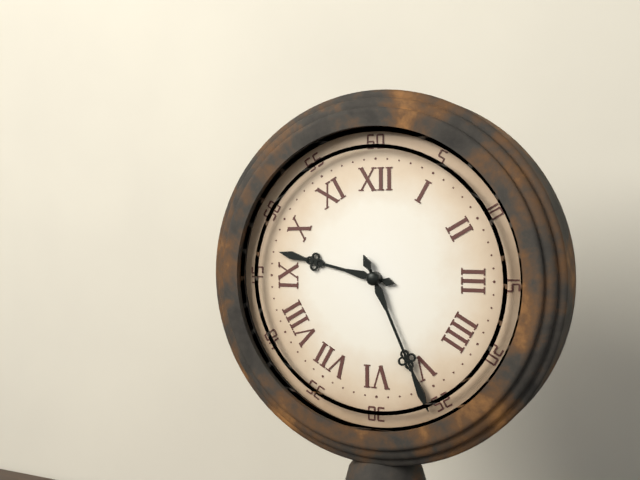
**9:26**
